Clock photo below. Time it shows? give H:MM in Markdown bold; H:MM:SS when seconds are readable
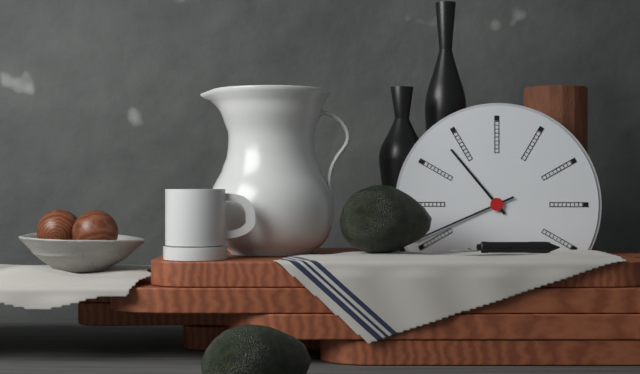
**10:41**
